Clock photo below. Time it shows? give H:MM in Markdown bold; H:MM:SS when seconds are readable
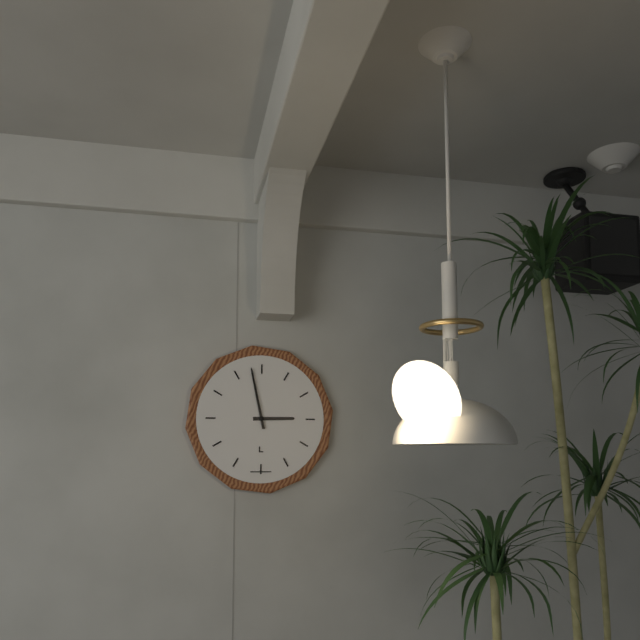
**2:58**
